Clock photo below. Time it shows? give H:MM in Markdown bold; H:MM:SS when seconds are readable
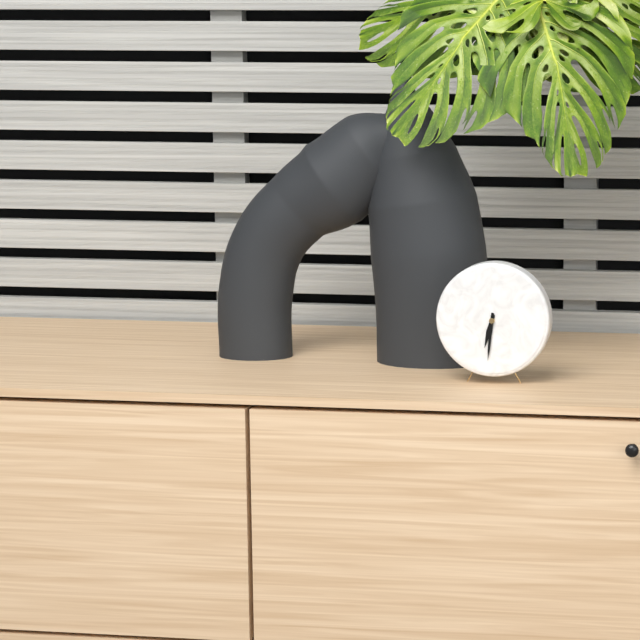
**6:31**
